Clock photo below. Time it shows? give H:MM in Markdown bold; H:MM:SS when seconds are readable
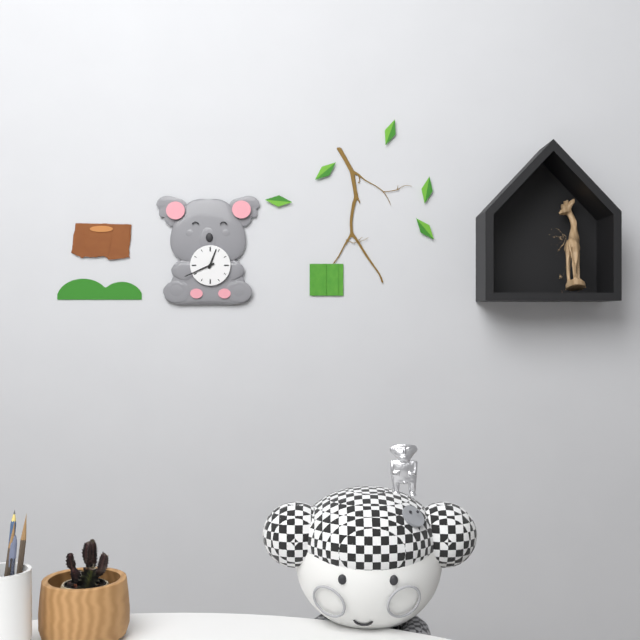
**12:41**
